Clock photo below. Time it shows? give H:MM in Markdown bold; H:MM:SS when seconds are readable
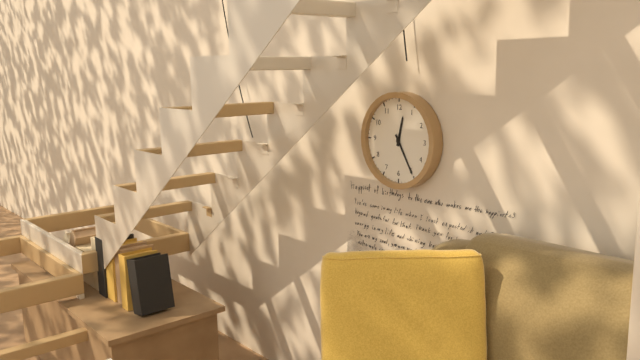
**12:25**
